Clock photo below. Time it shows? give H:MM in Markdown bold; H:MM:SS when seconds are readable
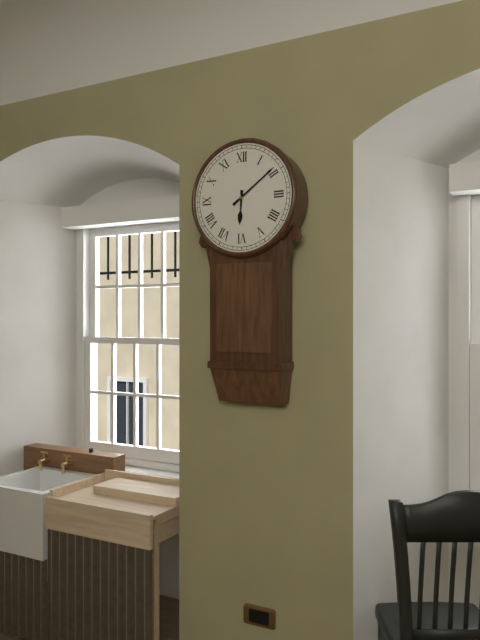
**6:09**
